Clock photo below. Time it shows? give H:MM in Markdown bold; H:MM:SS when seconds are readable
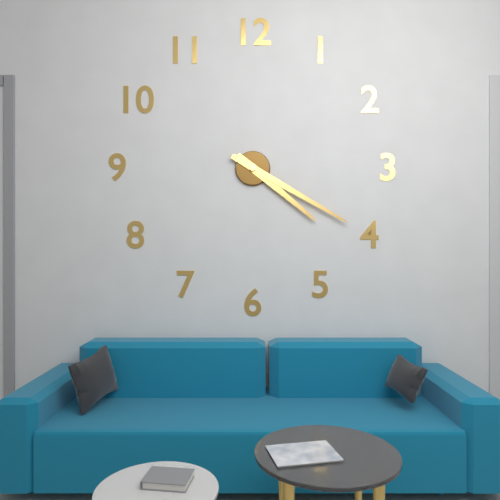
**4:20**
